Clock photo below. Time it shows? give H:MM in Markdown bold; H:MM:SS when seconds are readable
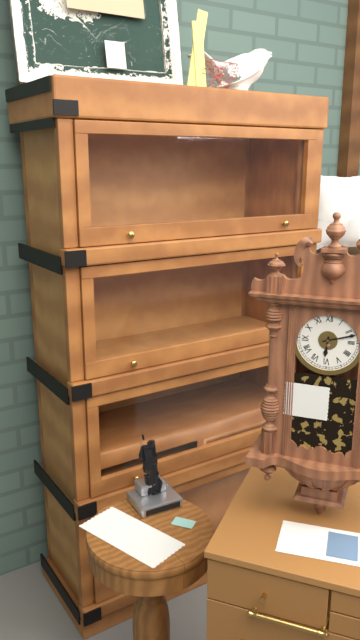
**6:12**
